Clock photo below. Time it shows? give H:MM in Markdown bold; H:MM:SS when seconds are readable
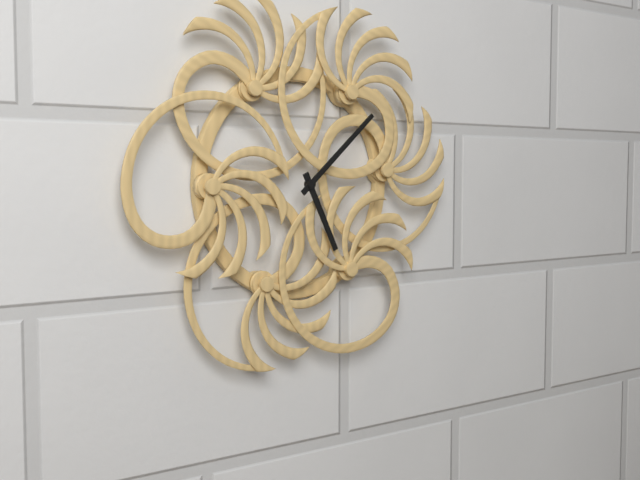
**5:08**
